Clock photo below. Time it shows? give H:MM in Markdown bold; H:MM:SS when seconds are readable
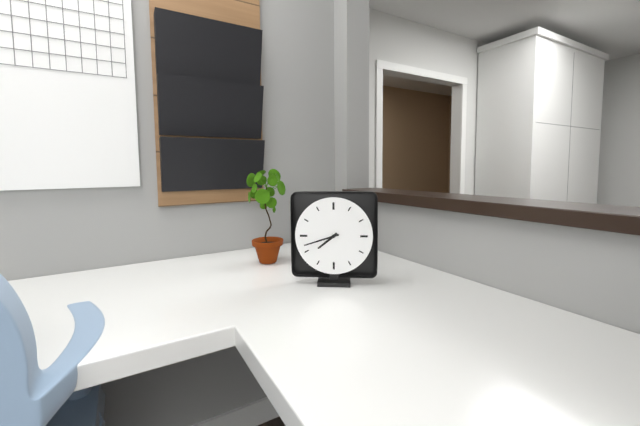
**7:42**
